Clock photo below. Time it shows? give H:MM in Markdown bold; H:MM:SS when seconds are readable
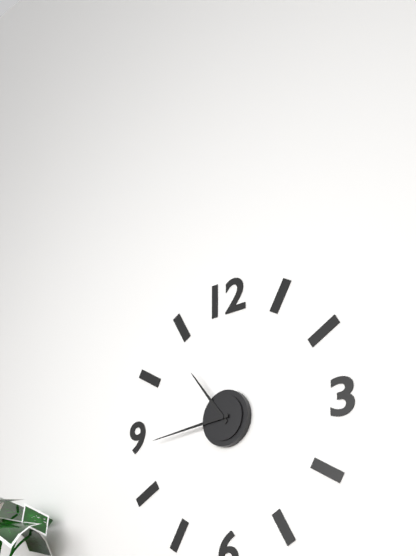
**10:44**
